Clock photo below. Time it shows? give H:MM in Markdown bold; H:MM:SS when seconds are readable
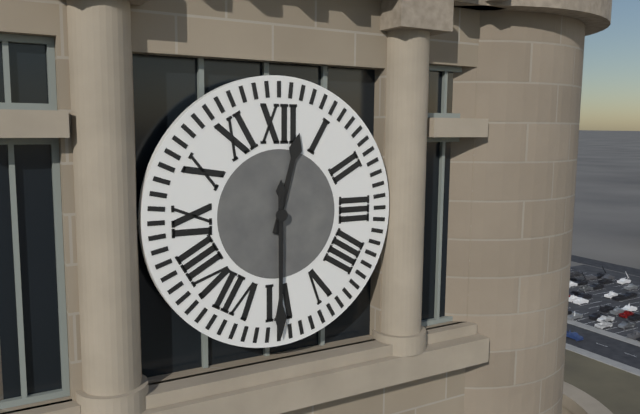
**12:30**
